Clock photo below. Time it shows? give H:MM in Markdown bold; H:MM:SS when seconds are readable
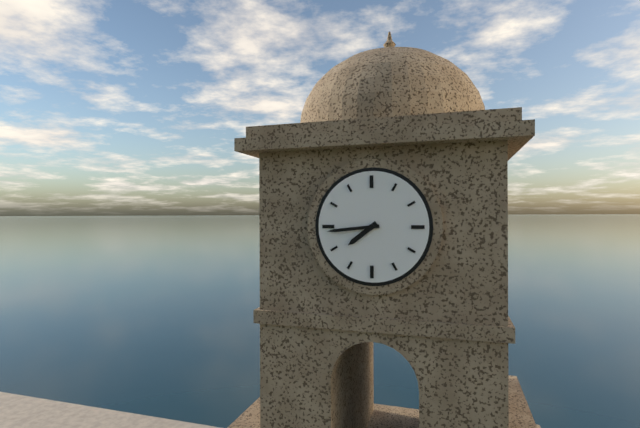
**7:44**
